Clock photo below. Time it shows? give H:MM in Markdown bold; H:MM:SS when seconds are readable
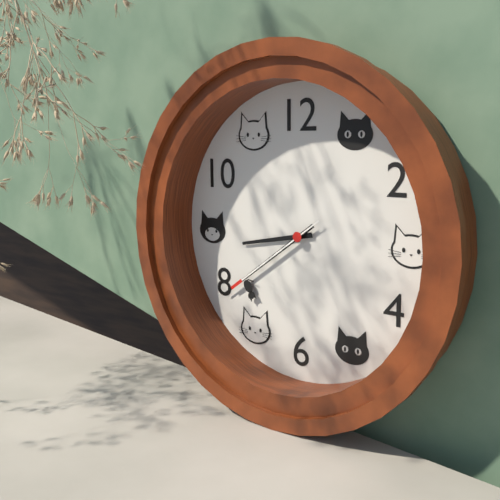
**8:39:39**
